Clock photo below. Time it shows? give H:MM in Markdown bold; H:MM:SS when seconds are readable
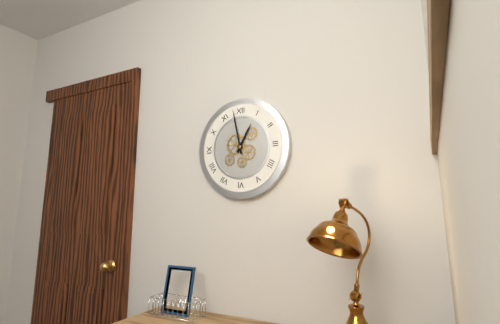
**12:58**
